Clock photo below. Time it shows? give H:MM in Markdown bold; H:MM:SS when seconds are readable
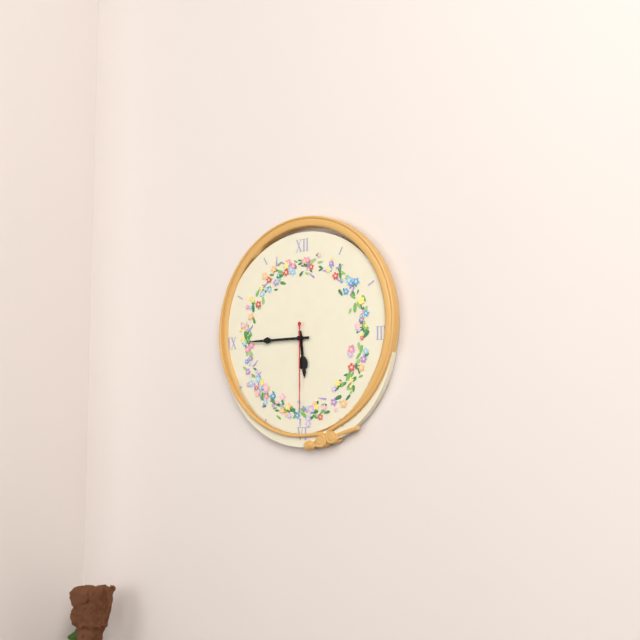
**5:45:30**
